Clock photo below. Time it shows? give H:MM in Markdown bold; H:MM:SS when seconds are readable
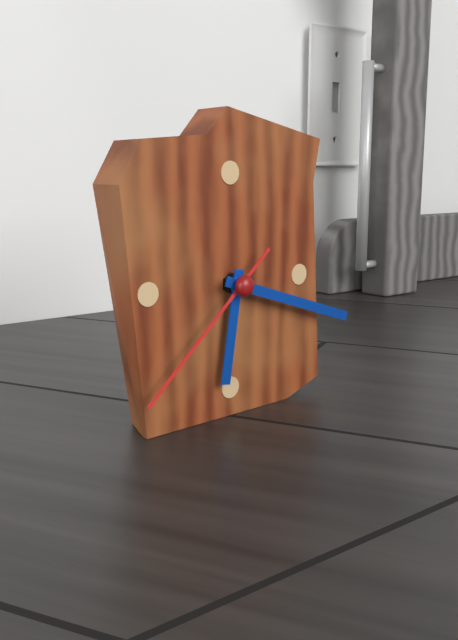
**6:18:38**
